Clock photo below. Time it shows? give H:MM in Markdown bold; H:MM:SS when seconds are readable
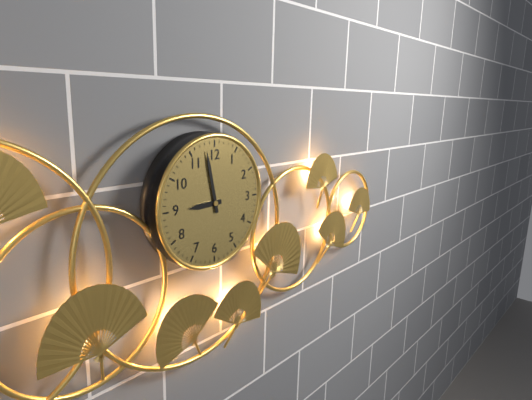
**8:58**
